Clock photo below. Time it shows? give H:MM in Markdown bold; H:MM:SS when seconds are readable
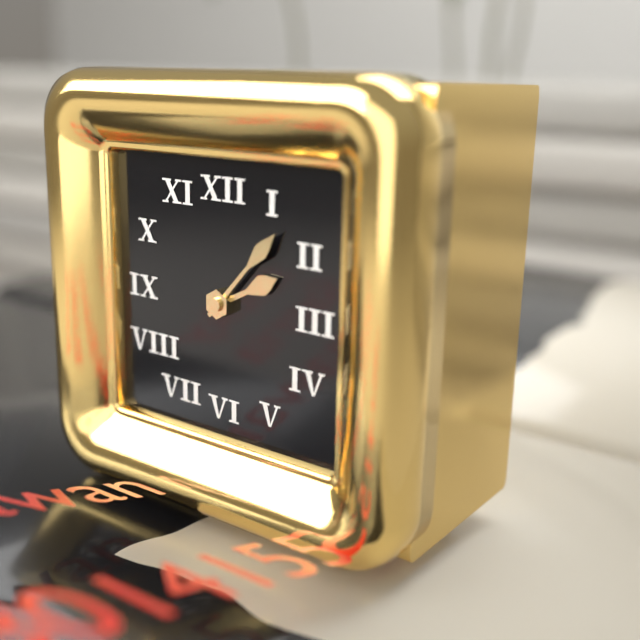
**2:07**
